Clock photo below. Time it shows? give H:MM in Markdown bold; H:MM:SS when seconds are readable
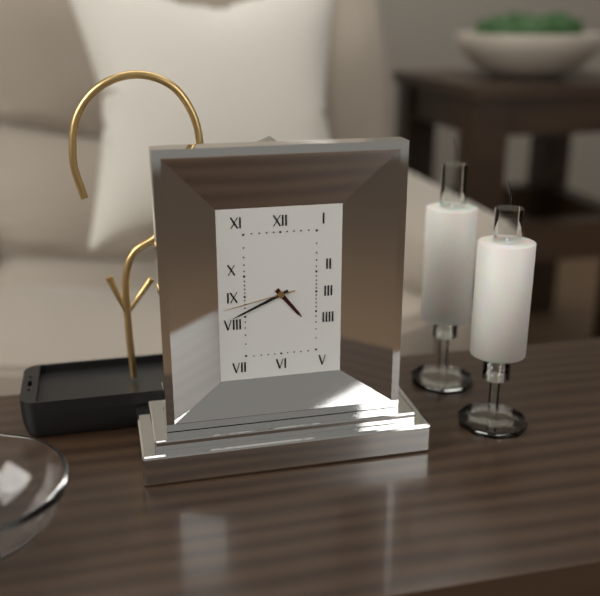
**4:41:43**
